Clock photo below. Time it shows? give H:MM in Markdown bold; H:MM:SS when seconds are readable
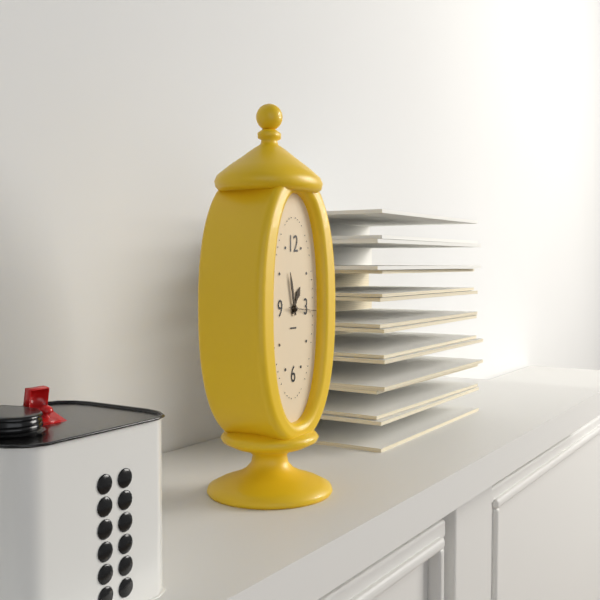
**12:58**
